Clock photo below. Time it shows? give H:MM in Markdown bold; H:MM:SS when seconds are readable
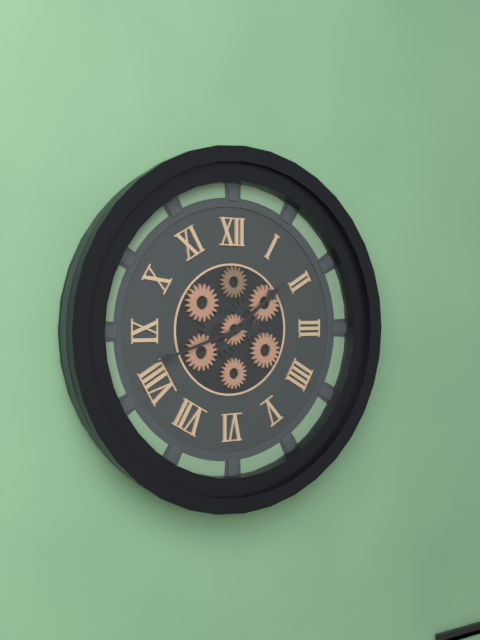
**1:42**
